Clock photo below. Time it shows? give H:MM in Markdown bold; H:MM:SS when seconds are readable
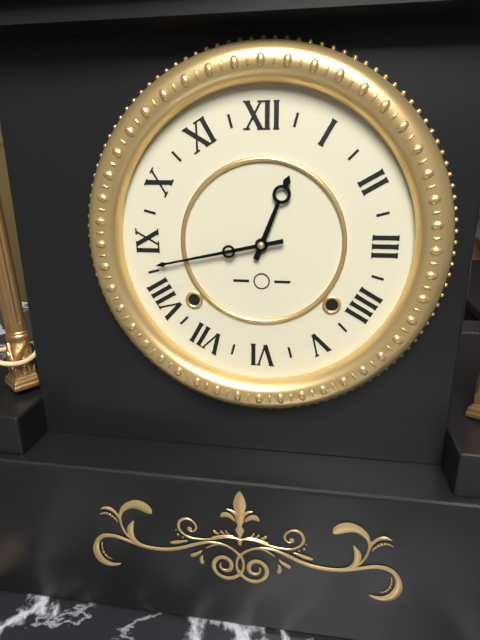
**12:43**
